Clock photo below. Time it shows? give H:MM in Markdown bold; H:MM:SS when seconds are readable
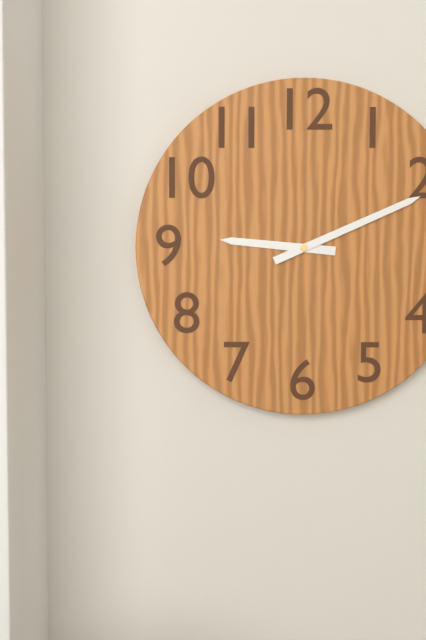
**9:11**
